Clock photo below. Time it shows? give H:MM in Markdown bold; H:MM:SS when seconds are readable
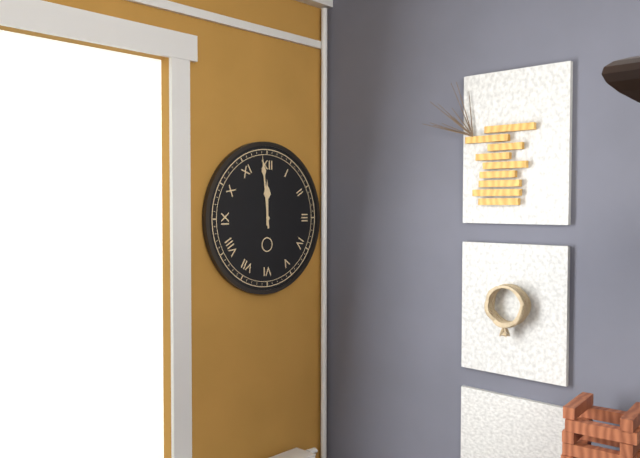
**11:59**
